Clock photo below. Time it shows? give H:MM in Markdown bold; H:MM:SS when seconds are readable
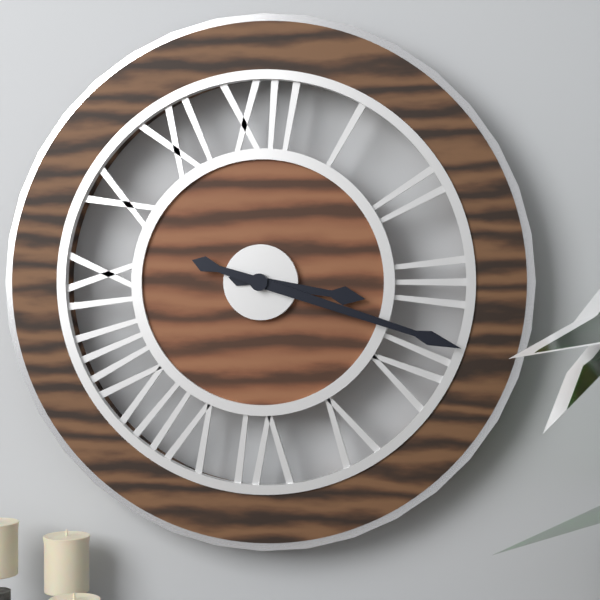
**3:18**
